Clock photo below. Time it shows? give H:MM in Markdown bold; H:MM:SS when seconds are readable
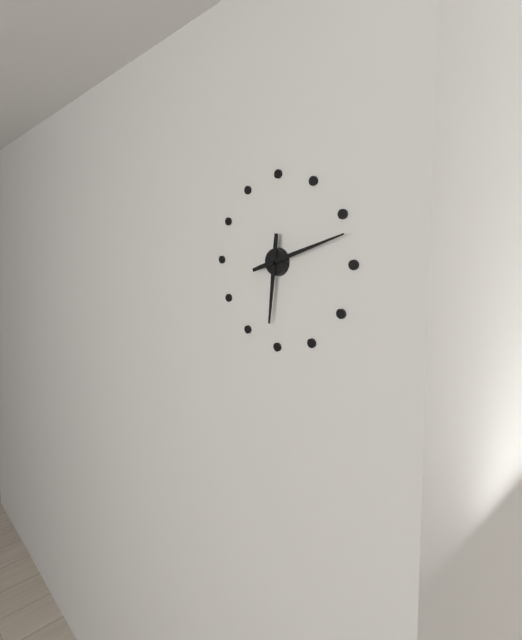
**6:12**
